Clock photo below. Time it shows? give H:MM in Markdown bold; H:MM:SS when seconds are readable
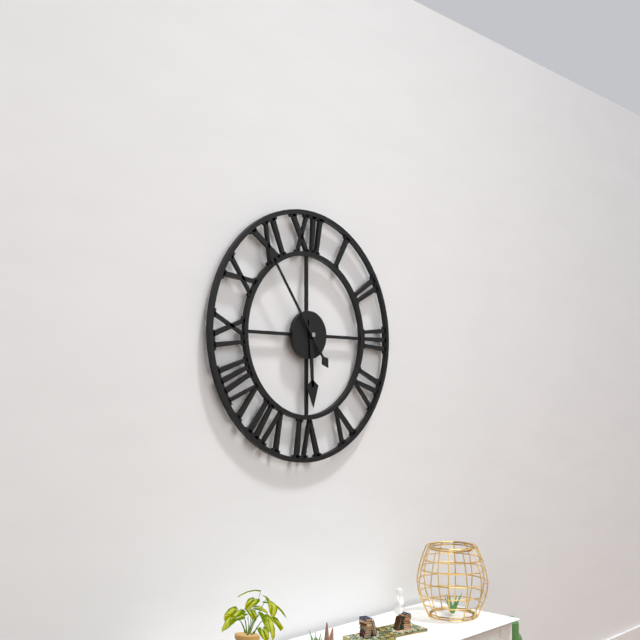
**5:54**
